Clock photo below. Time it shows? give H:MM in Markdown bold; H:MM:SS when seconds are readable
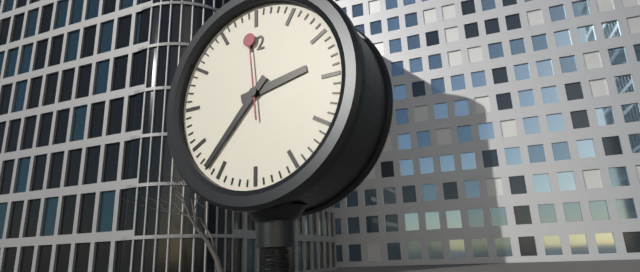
**2:37:59**
